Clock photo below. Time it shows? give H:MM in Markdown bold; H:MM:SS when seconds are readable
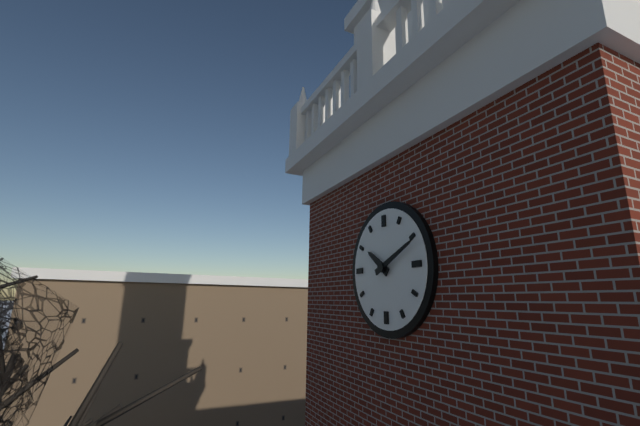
**10:11**
